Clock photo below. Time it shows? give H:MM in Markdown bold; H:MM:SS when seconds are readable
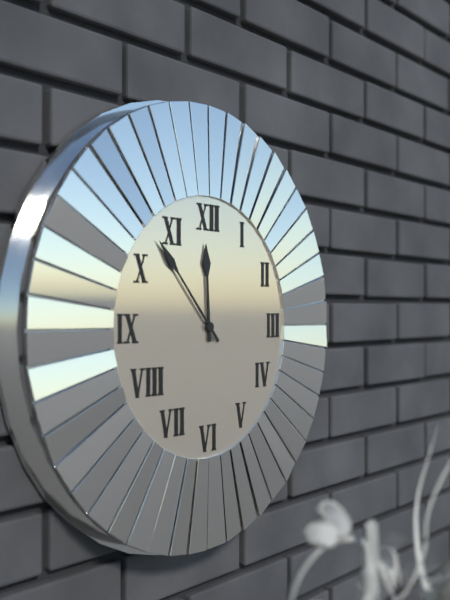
**11:53**
